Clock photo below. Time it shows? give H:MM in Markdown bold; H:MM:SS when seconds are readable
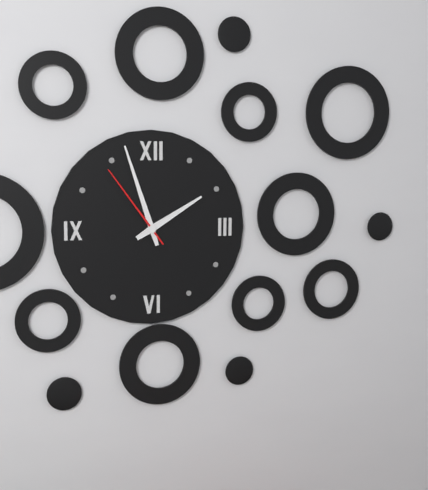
**1:57:54**
